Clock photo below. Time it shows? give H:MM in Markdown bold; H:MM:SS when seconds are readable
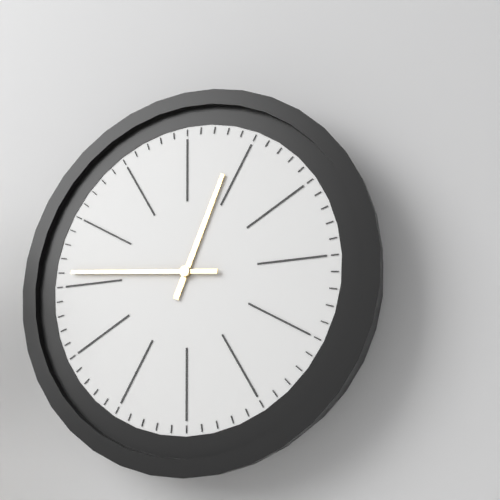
**12:46**
